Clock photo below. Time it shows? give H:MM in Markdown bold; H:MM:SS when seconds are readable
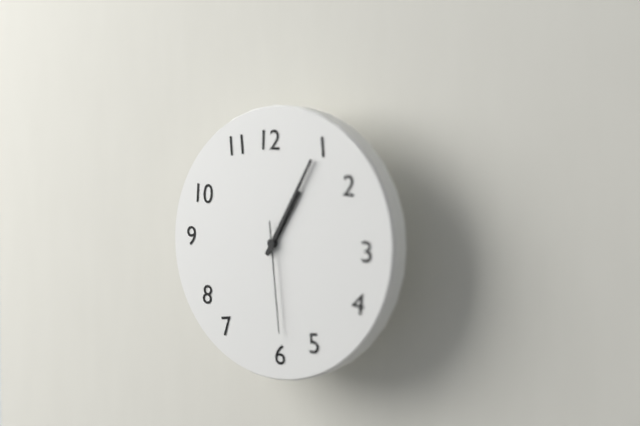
**1:05:29**
